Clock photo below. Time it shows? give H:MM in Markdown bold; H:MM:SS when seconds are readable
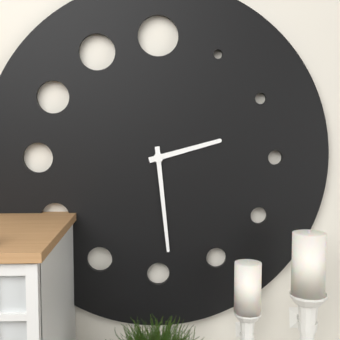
**2:29**
